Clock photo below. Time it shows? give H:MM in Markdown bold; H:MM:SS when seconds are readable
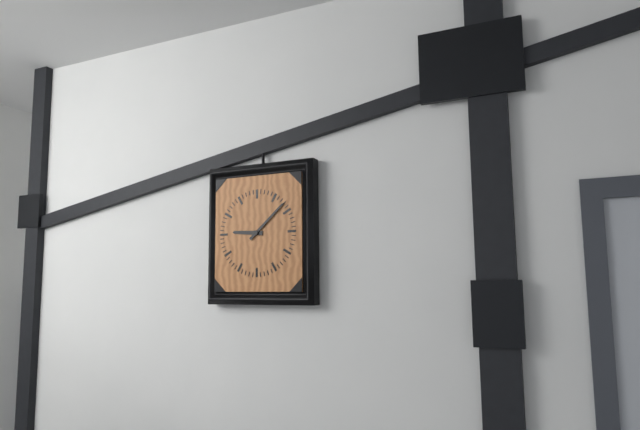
**9:08**
